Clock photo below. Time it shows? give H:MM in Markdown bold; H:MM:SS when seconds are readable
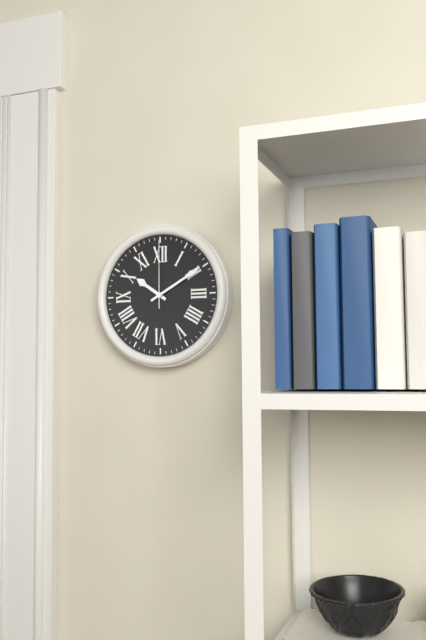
**10:10:00**
